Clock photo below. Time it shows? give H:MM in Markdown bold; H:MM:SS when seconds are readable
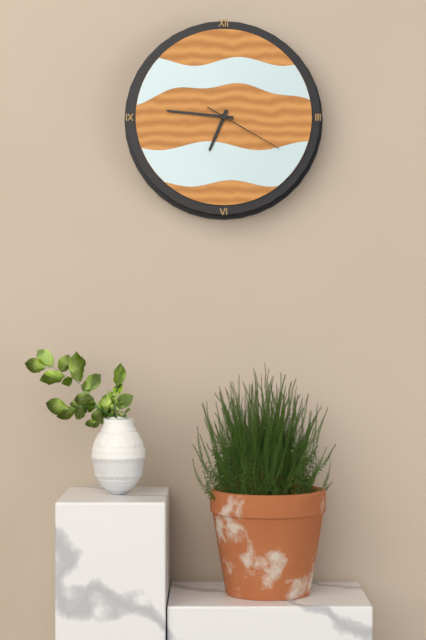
**6:46:20**
